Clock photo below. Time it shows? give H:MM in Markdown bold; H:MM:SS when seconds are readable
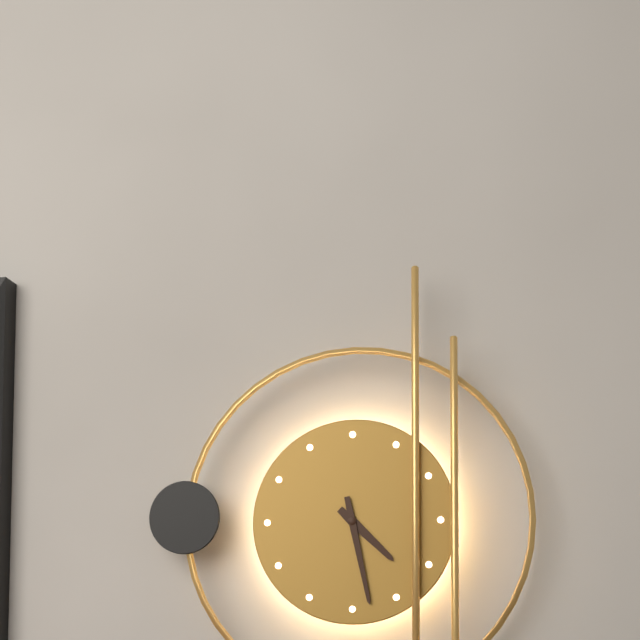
**4:28**
